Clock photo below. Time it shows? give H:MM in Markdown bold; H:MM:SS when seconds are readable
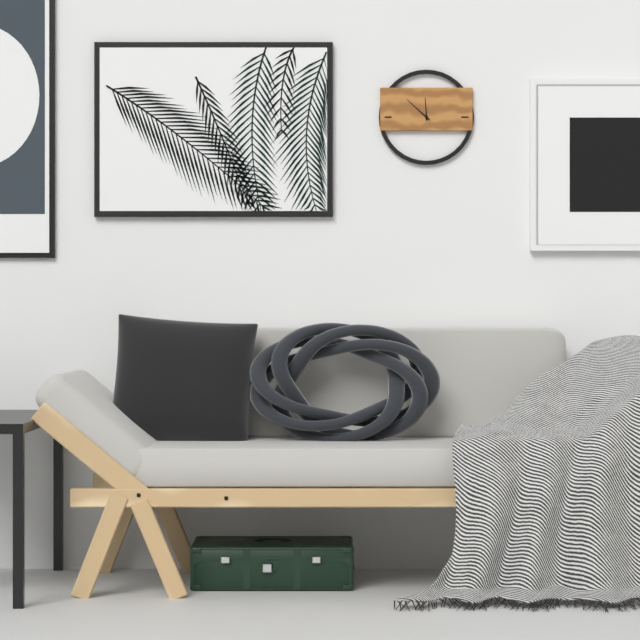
**11:52**
